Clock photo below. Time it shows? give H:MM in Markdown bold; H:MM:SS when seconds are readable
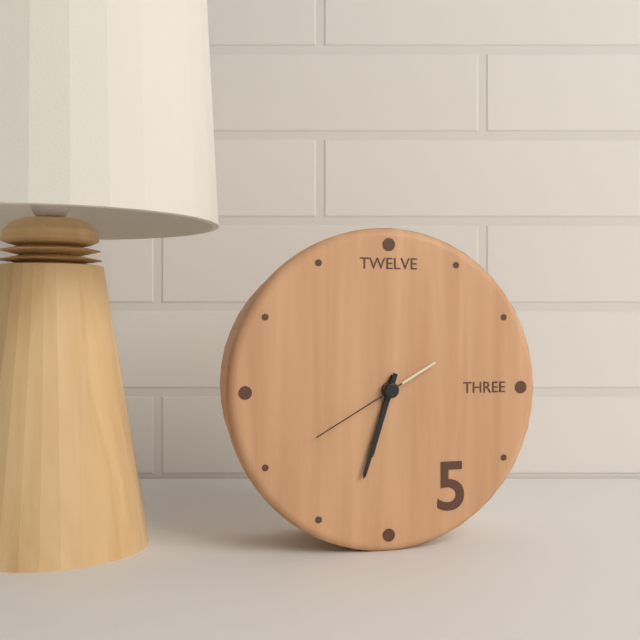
**6:33:40**
